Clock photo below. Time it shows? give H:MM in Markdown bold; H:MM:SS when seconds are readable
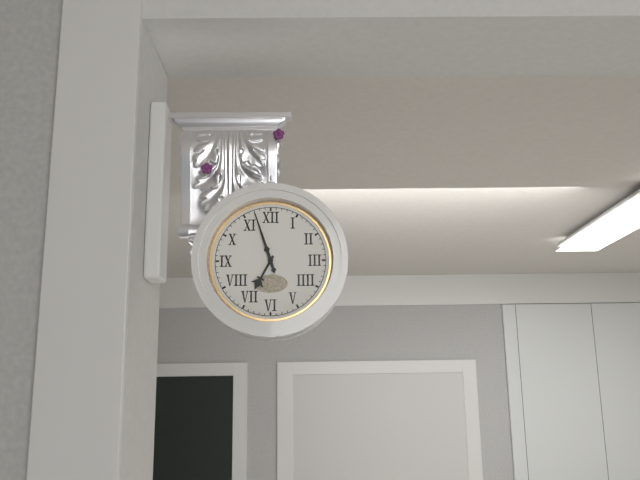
**6:57**
